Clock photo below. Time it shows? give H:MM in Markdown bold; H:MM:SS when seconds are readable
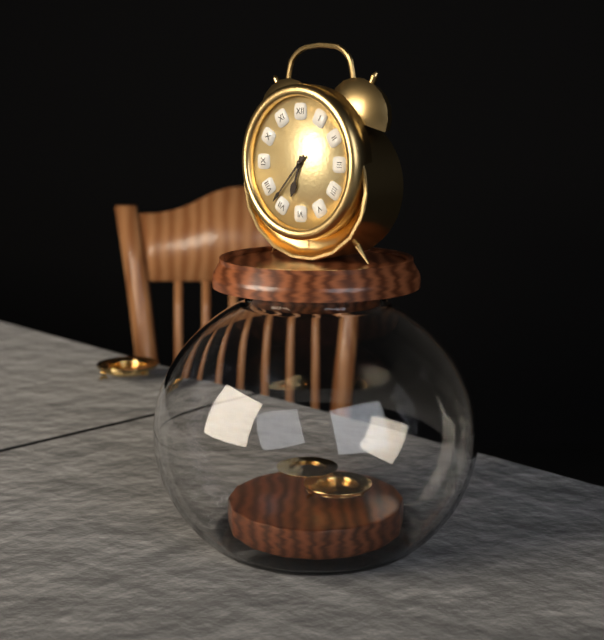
**6:37**
